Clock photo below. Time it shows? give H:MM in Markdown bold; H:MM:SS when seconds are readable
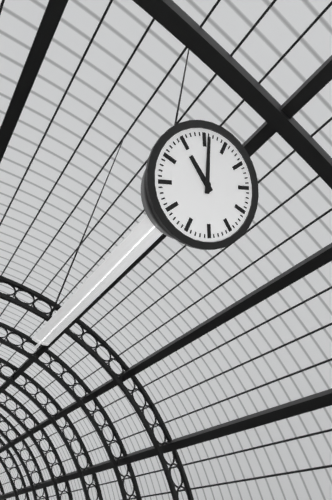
**9:56**
